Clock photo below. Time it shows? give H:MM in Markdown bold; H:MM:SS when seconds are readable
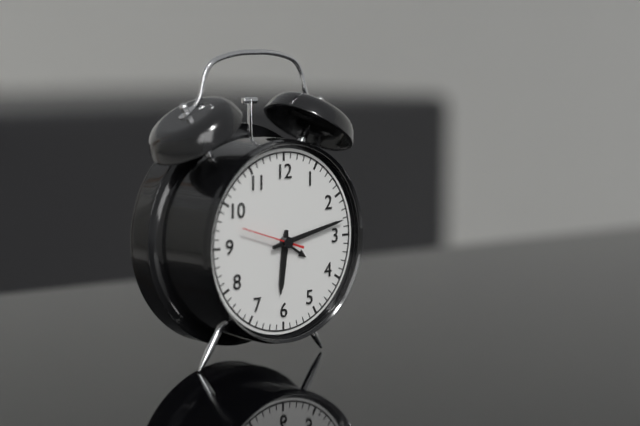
**6:13**
